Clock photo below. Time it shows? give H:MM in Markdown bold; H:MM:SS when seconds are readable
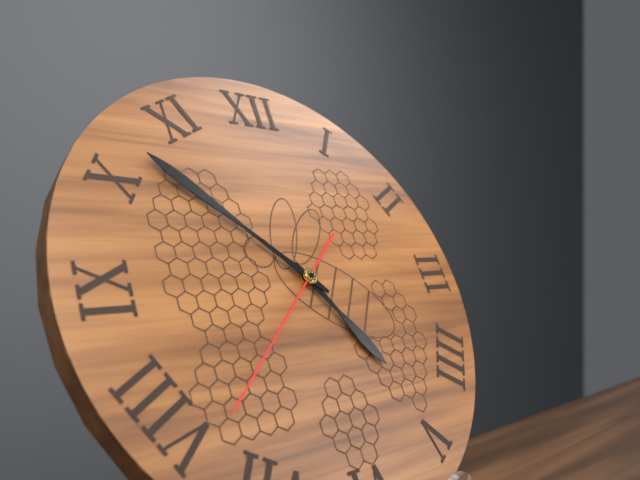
**4:52:38**
